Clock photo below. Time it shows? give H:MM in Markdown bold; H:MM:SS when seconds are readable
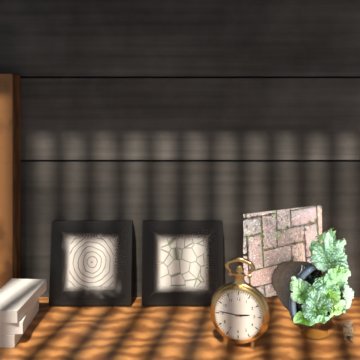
**2:46**
